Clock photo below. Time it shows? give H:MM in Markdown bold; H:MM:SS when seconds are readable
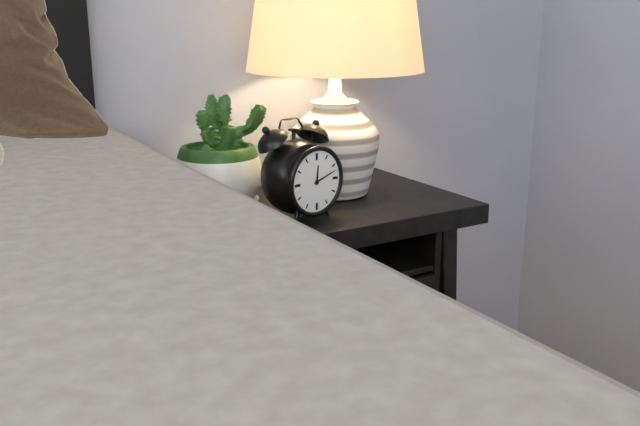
**12:12**
